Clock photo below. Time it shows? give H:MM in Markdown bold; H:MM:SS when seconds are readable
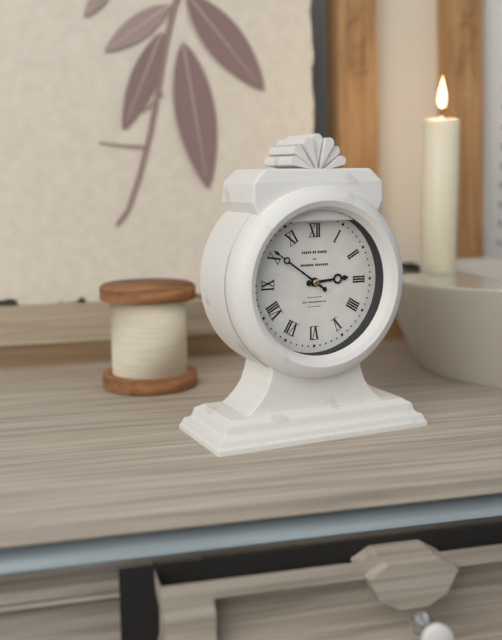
**2:51**
